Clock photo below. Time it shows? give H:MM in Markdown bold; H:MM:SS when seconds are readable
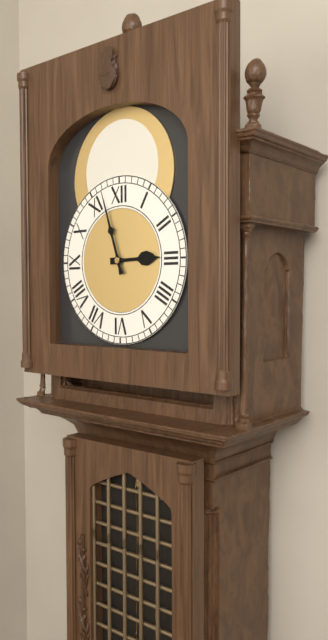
**2:57**
